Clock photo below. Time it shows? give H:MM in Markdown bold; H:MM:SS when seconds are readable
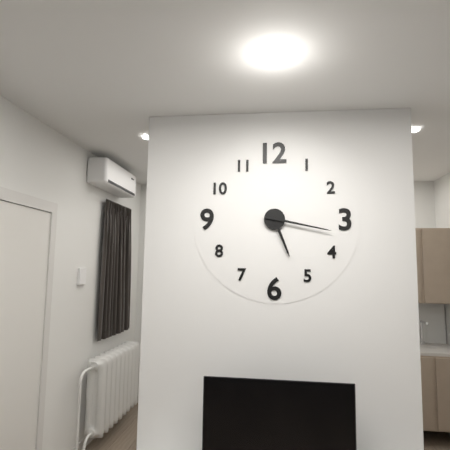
**5:17**
